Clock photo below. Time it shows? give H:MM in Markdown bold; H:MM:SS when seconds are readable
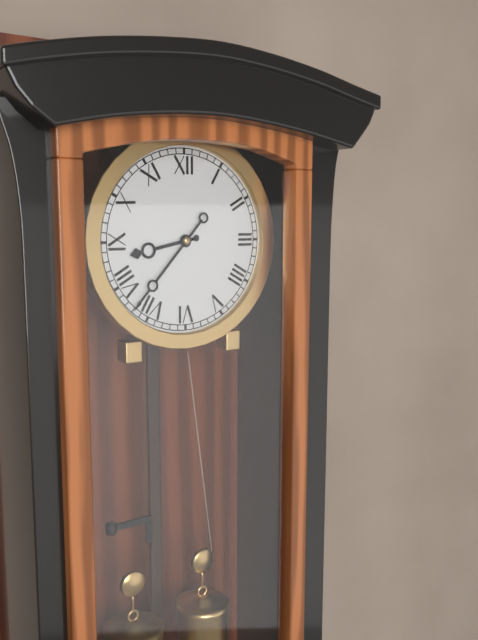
**8:37**
